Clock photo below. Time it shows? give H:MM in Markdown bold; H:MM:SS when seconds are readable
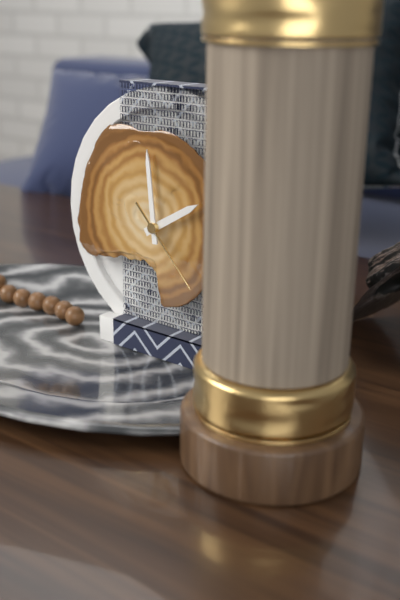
**1:59:23**
